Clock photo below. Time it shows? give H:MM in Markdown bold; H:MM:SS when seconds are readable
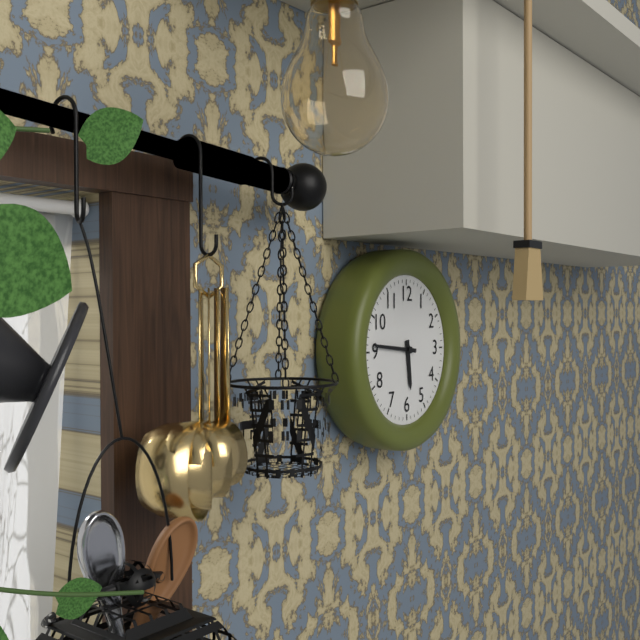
**5:46**
